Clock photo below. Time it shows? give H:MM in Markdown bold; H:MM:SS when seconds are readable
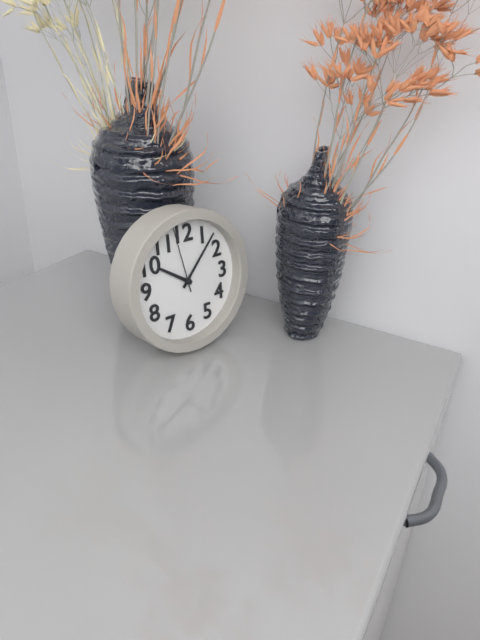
**10:07:58**
